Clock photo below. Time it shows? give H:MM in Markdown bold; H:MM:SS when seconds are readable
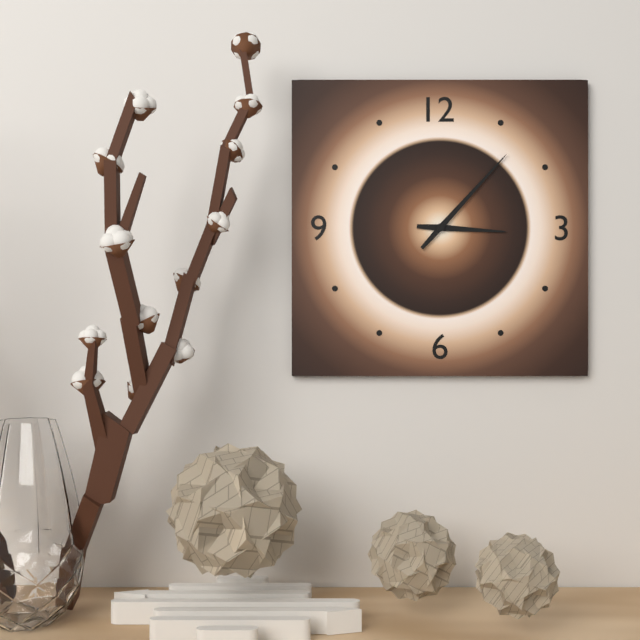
**3:07**
